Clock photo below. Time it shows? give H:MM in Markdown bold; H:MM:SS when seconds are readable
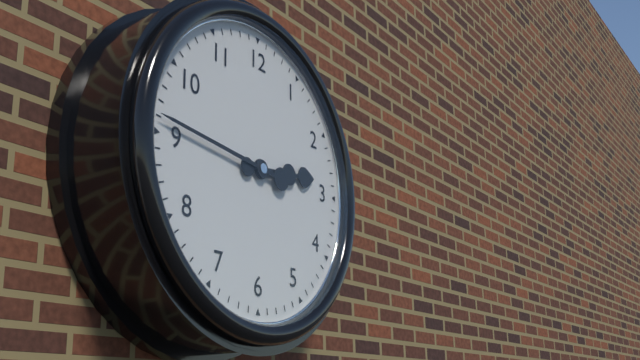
**2:46**
